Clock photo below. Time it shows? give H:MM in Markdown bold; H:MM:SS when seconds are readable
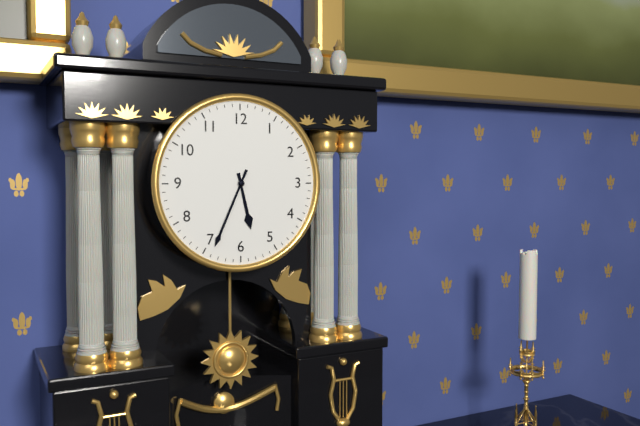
**5:34**
